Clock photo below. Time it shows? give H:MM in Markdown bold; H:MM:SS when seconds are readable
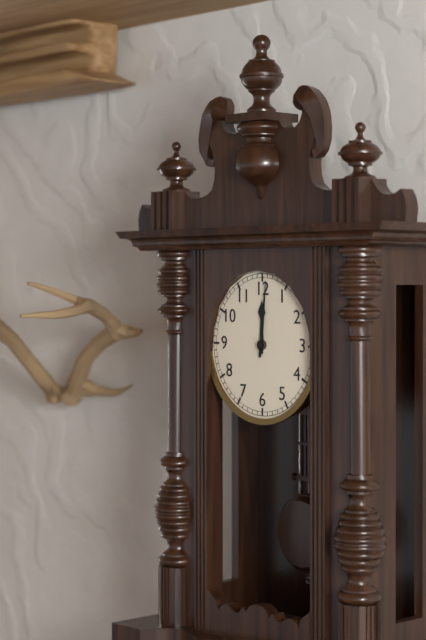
**12:01**
